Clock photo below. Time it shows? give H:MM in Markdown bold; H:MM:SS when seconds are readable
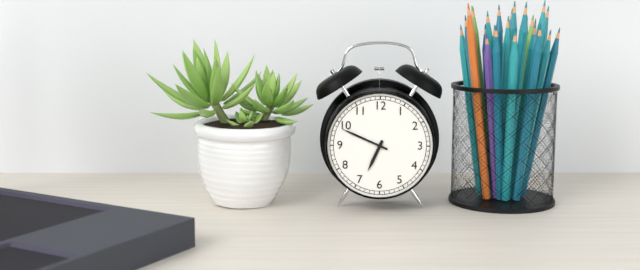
**6:49**
